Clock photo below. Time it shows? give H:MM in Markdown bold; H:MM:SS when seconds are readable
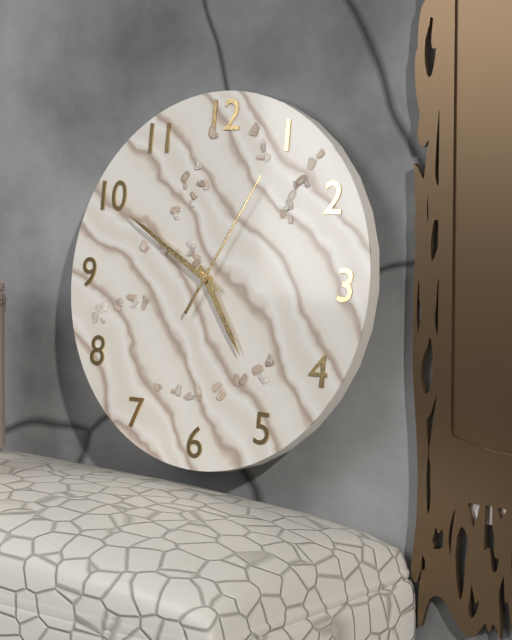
**4:50:05**
